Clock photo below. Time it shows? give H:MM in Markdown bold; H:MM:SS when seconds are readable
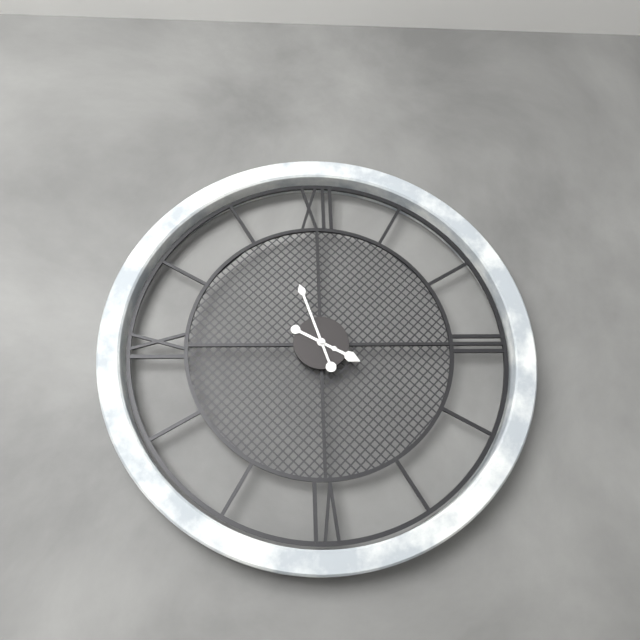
**3:57**
